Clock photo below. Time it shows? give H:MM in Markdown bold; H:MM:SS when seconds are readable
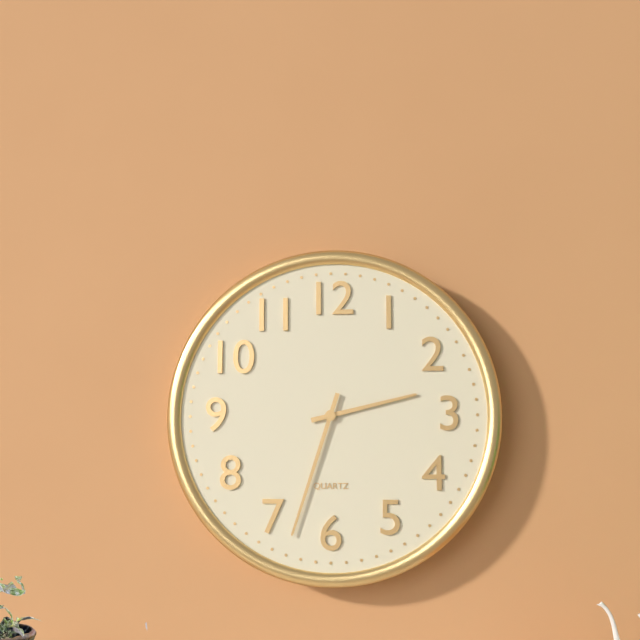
**2:33**
